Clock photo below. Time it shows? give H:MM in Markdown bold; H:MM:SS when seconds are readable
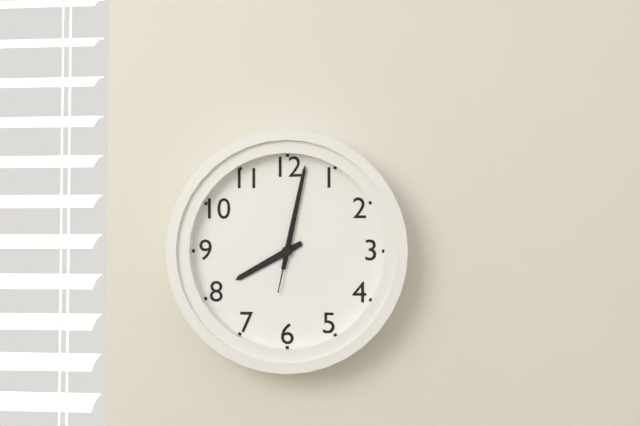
**8:02:02**
